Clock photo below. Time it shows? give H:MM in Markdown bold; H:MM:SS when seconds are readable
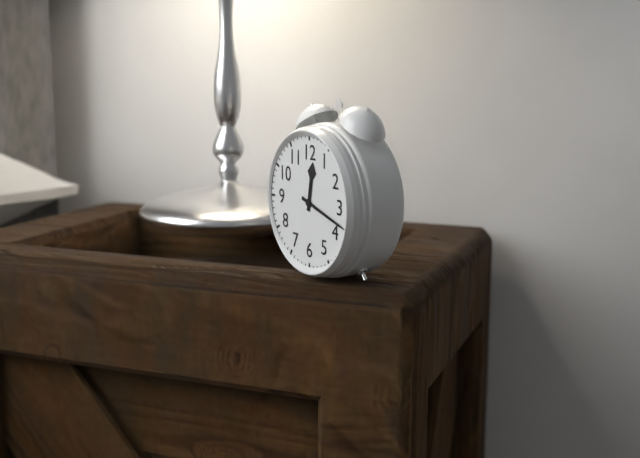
**12:18**
